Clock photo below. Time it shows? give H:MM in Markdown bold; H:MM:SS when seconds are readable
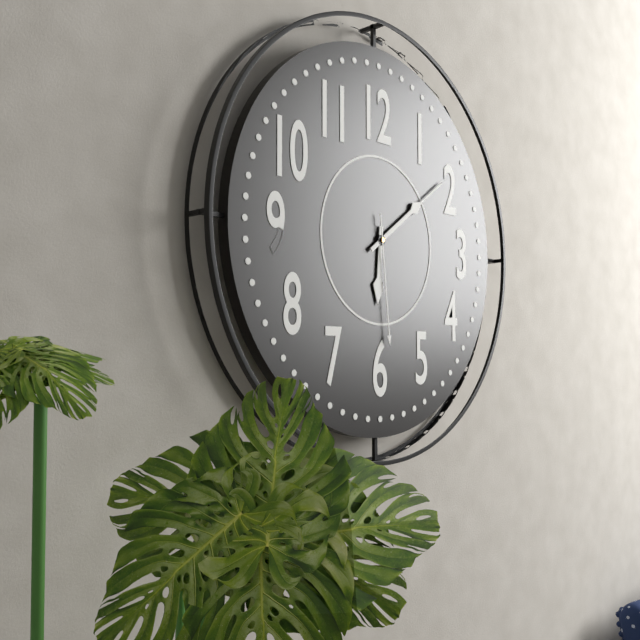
**6:09:29**
